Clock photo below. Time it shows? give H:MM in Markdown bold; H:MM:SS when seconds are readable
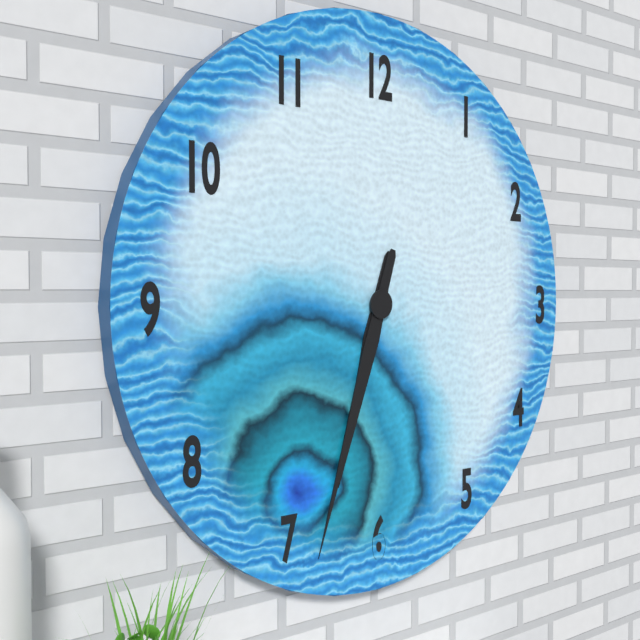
**6:33**
